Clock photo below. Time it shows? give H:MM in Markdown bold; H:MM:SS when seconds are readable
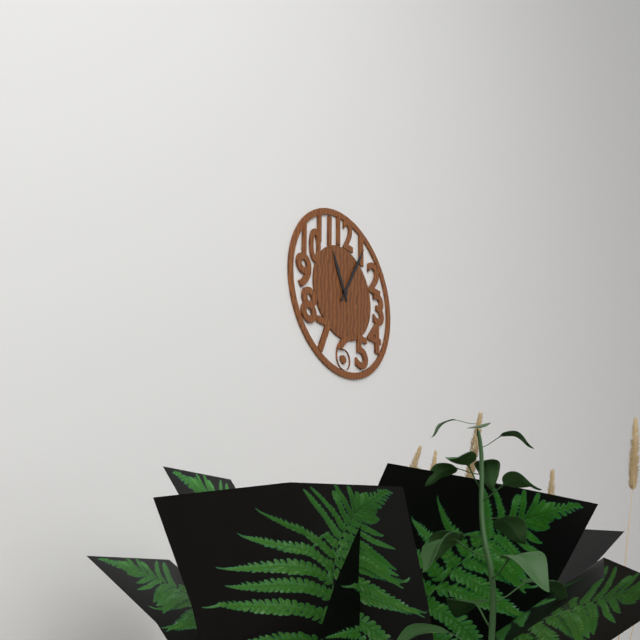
**11:05**
